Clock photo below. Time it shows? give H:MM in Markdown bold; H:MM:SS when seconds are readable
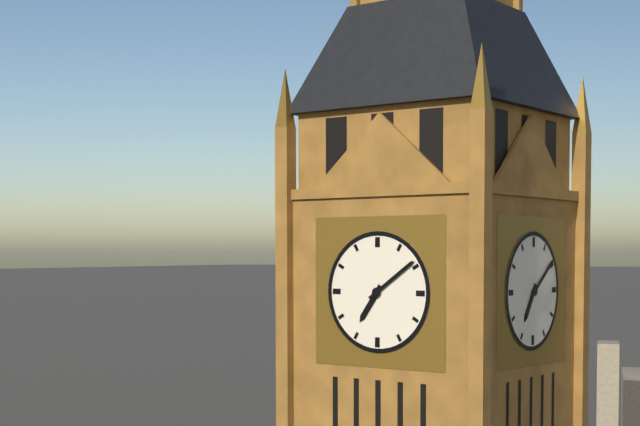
**7:09**
